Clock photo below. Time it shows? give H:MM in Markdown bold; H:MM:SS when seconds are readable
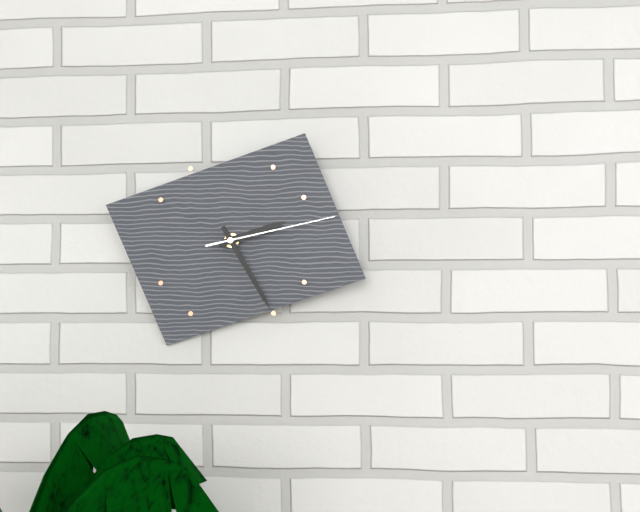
**2:25:13**
